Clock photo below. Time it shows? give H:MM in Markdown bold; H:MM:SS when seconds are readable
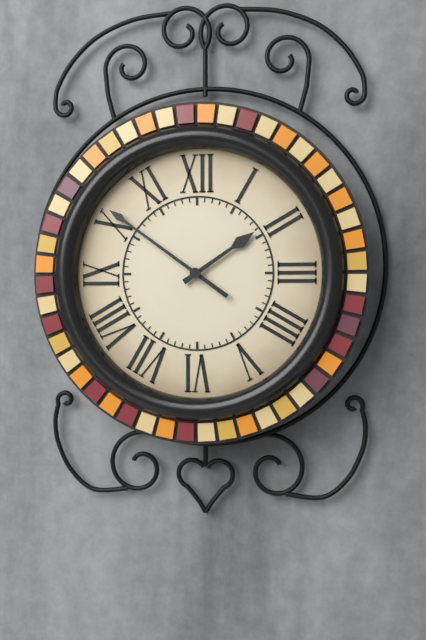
**1:51**
